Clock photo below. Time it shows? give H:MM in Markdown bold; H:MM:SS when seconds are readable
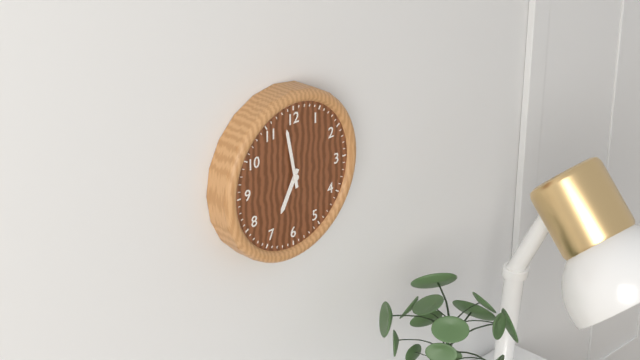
**6:58**
